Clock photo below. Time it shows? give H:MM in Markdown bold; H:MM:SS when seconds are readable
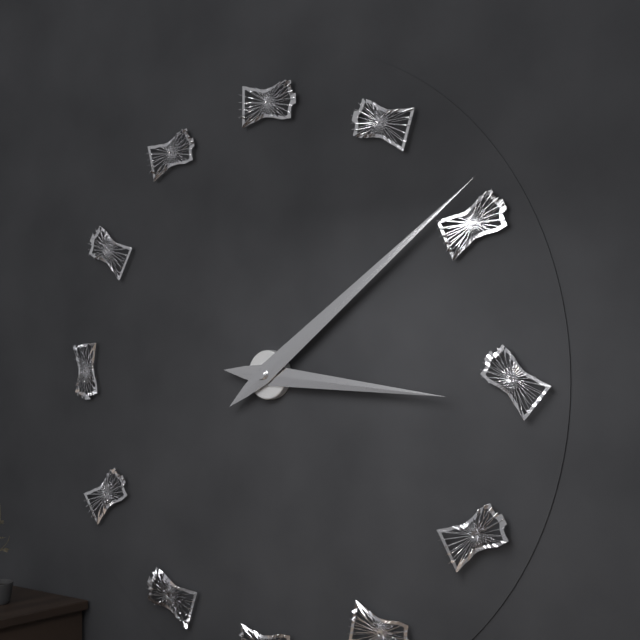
**3:09**
